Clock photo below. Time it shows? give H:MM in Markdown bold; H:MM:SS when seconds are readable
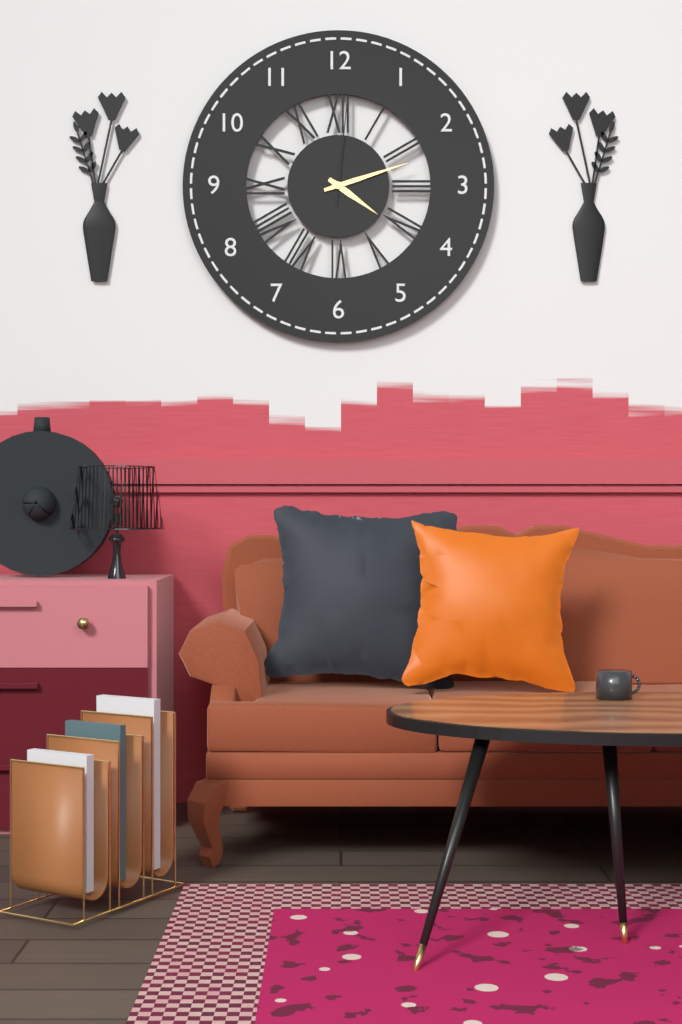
**4:12:01**
